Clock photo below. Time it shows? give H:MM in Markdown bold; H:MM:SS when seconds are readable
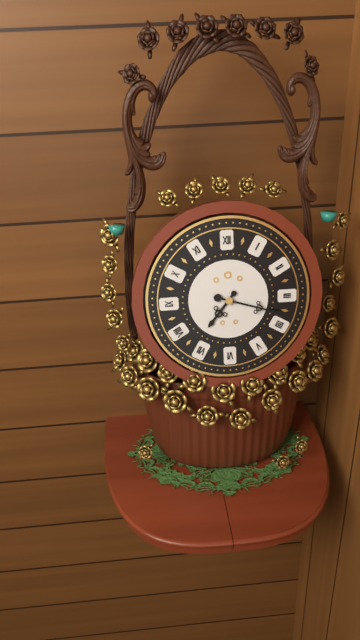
**7:18**
